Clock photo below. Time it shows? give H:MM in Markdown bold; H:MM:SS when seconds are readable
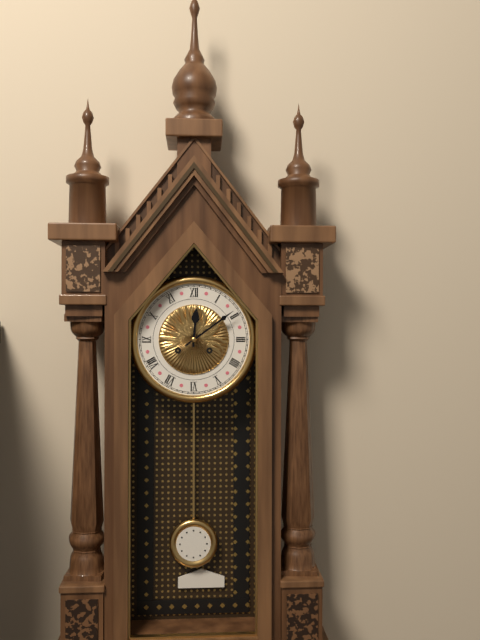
**12:09**
